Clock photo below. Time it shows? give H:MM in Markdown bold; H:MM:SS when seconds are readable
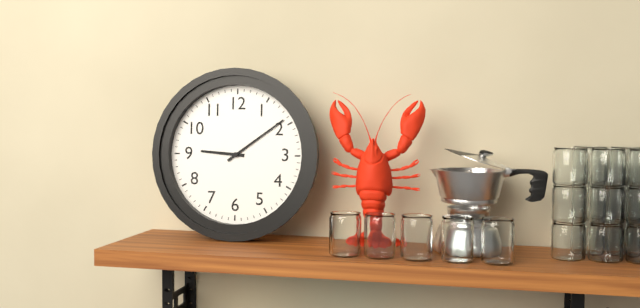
**9:09**
